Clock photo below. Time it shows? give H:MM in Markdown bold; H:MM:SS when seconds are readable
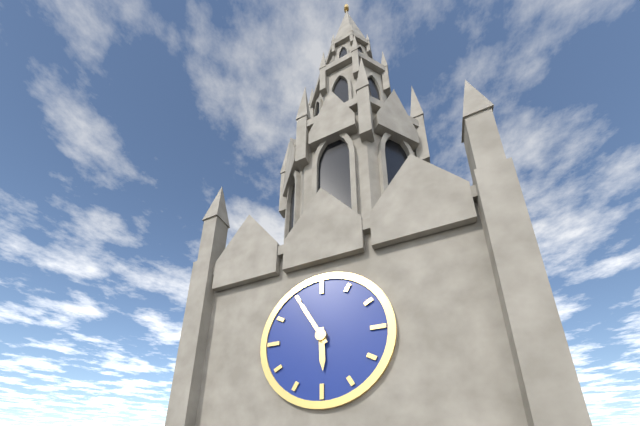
**5:55**
